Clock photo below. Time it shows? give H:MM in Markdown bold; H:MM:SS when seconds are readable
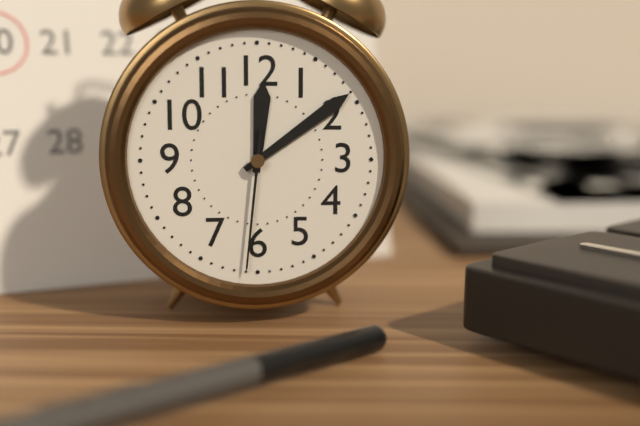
**12:09:31**
